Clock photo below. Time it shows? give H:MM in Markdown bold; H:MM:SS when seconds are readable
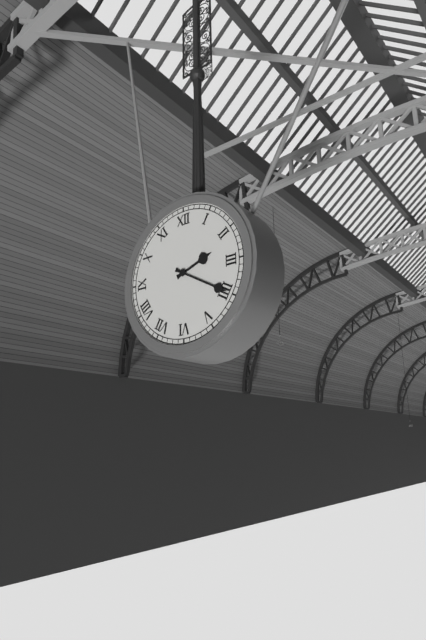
**2:20**
